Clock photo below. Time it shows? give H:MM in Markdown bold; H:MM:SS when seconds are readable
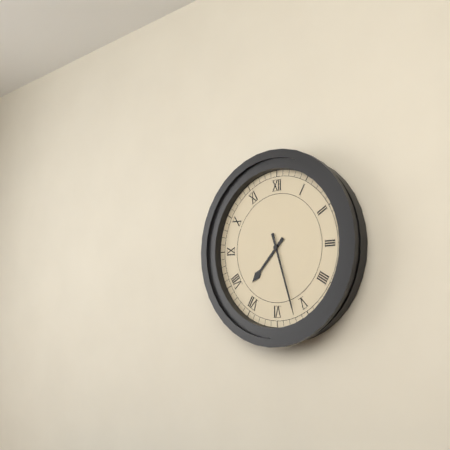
**7:27**
